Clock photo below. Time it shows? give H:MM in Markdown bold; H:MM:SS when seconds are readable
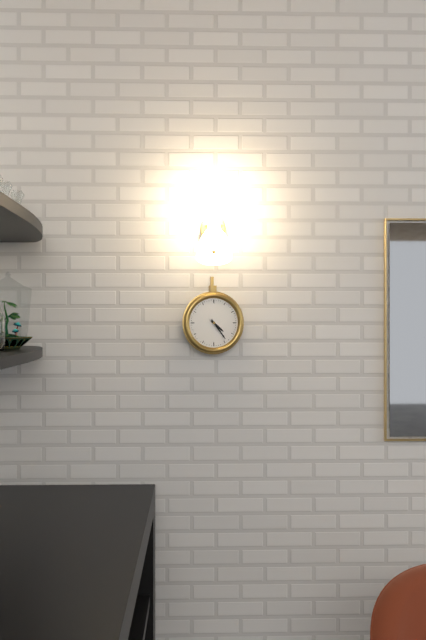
**4:24**
